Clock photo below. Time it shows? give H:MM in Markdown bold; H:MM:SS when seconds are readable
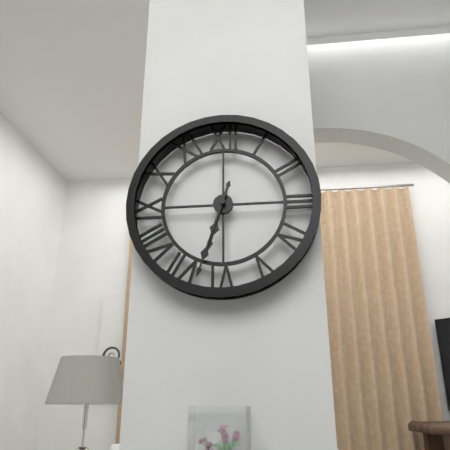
**6:33**
